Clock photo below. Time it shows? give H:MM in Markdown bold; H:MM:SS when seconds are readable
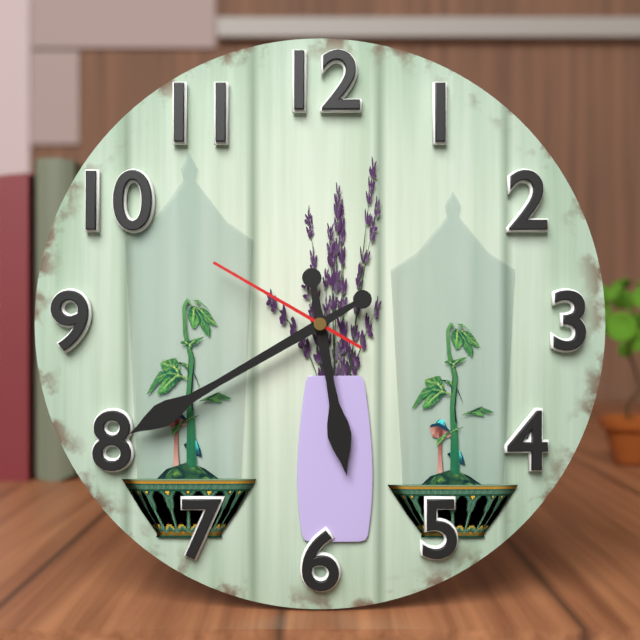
**5:40:50**
